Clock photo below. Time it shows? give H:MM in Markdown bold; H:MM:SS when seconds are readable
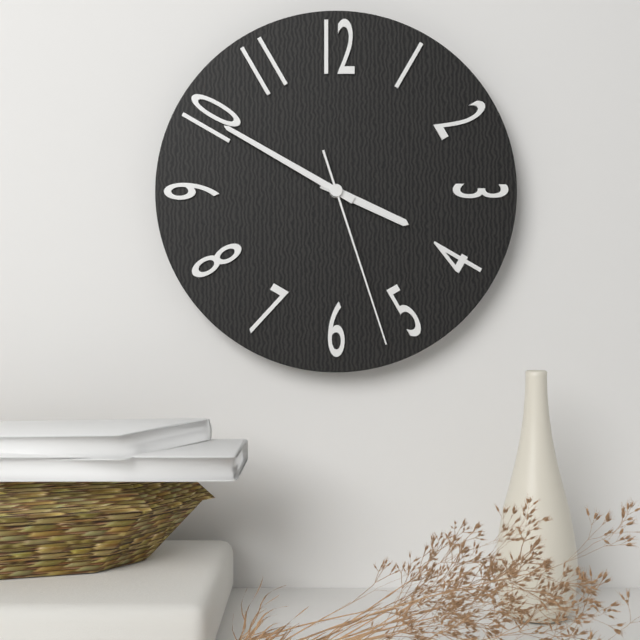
**3:50:27**
